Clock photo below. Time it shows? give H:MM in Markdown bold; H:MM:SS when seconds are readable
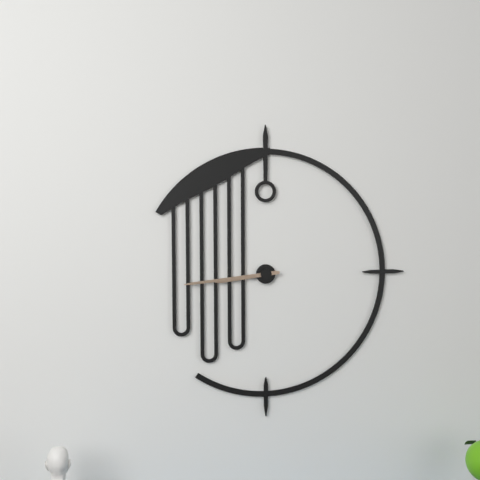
**8:44**
